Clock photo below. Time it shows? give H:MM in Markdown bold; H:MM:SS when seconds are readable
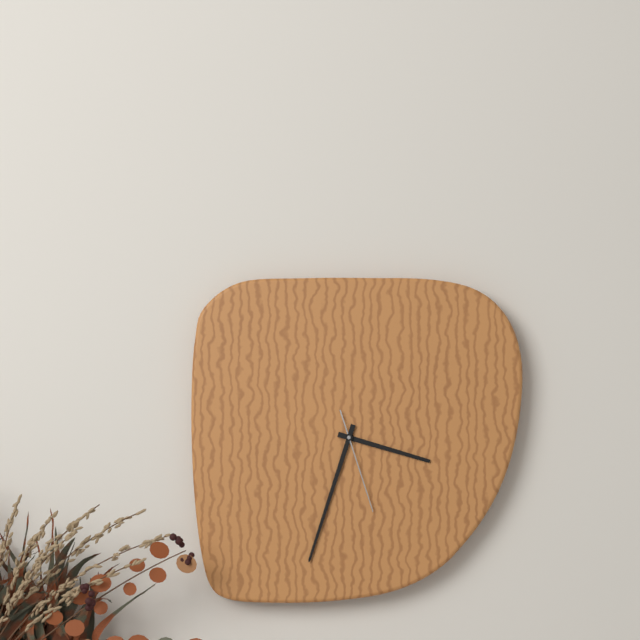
**3:33:27**
